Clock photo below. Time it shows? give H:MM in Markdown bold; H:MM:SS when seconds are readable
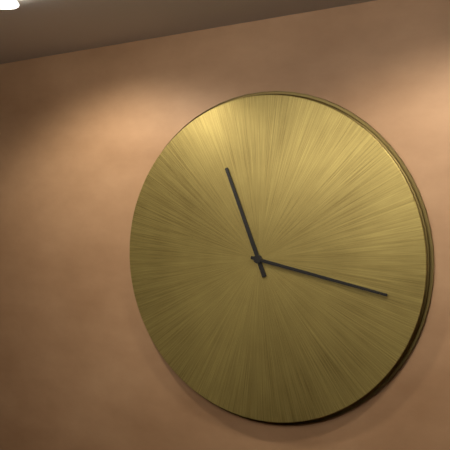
**11:17**
